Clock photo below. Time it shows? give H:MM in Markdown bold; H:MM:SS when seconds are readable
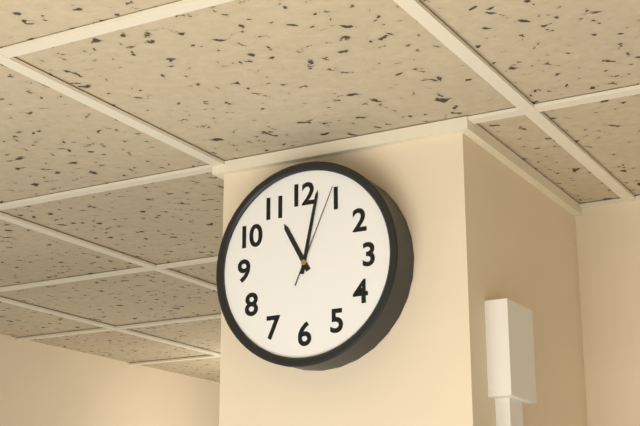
**11:02:04**
